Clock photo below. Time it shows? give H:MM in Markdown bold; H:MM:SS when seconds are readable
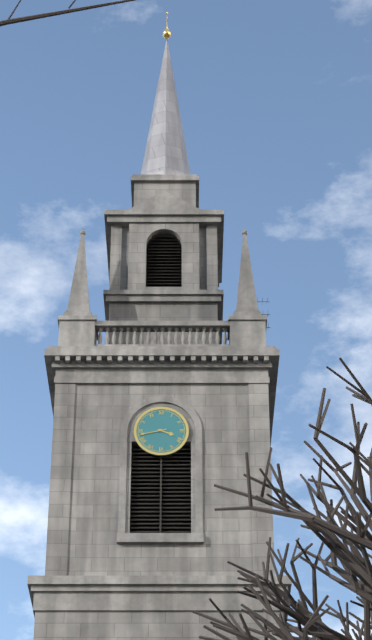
**3:43**
